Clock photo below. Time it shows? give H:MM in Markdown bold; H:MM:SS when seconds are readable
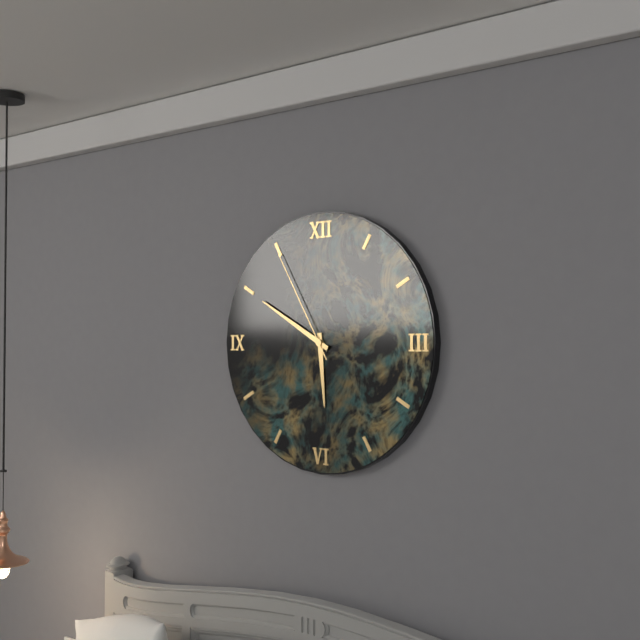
**5:50:55**
